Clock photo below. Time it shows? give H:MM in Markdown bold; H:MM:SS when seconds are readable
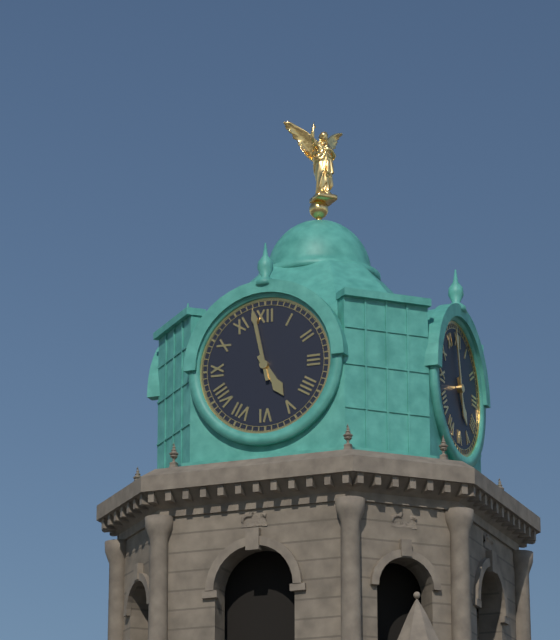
**4:58**
